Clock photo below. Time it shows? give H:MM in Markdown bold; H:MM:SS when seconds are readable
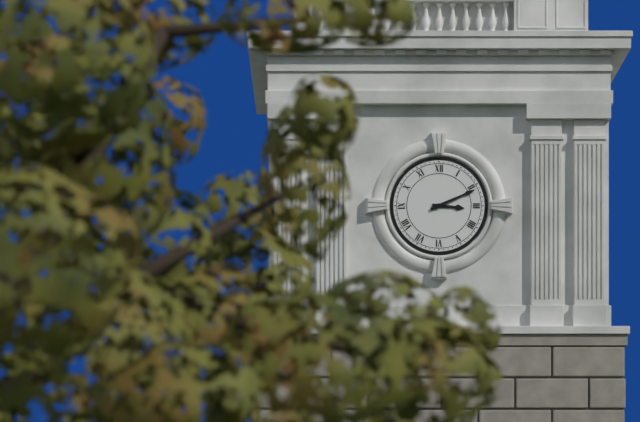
**3:11**
